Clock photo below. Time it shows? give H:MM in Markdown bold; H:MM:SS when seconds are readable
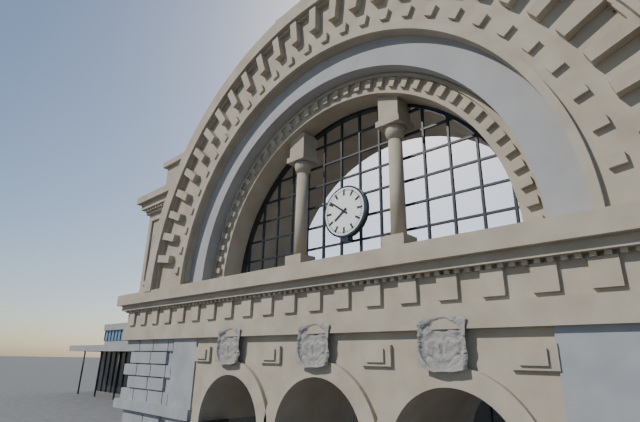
**7:51**
